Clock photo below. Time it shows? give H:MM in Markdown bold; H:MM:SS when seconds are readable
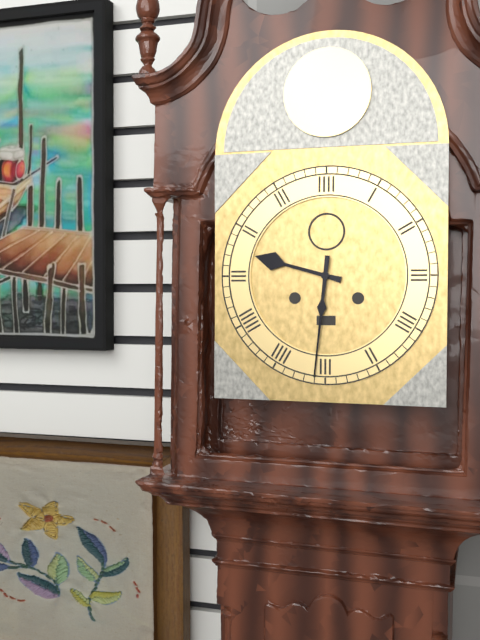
**9:31**
